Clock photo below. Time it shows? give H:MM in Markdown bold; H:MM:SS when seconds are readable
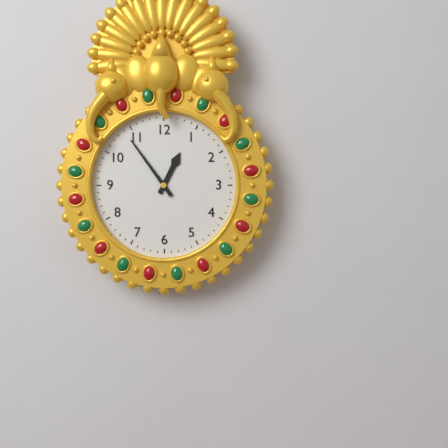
**12:54**
